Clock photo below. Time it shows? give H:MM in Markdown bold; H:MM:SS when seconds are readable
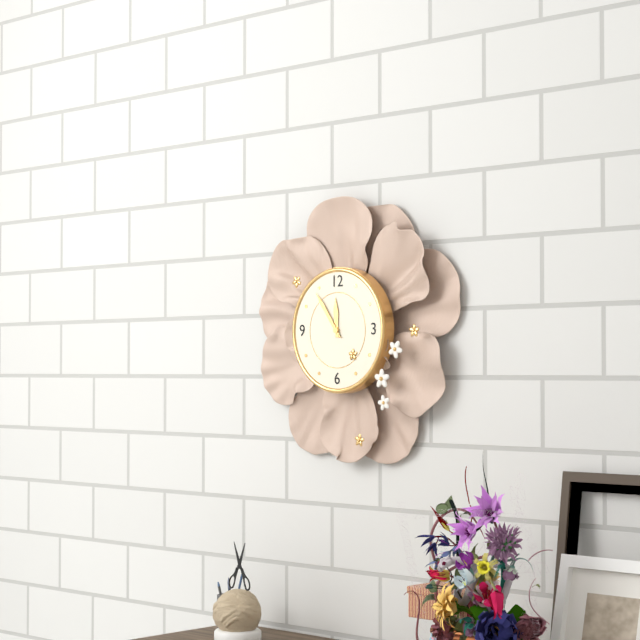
**11:54**
